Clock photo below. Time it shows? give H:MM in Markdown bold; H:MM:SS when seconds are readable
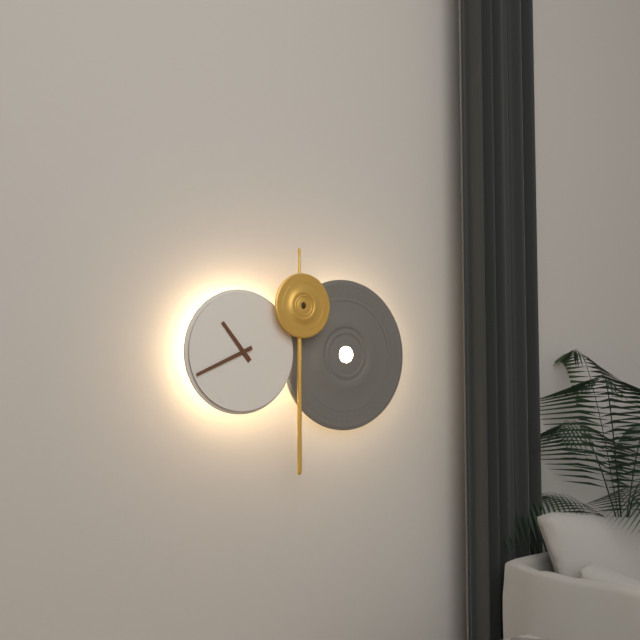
**10:41**
